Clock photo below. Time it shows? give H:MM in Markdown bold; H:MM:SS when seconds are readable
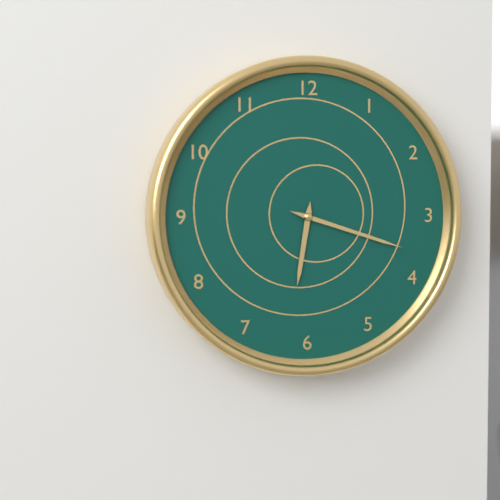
**6:18**
